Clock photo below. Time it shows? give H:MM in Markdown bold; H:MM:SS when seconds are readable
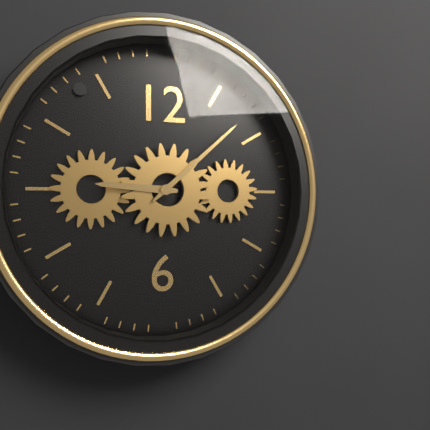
**9:08**
